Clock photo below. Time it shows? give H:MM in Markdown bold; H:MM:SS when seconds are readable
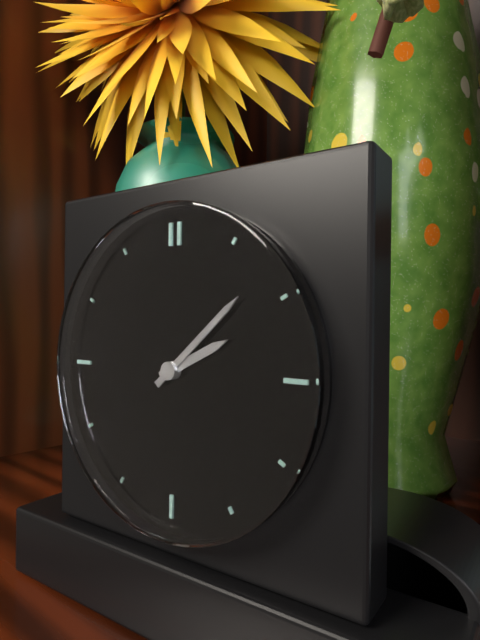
**2:08**
